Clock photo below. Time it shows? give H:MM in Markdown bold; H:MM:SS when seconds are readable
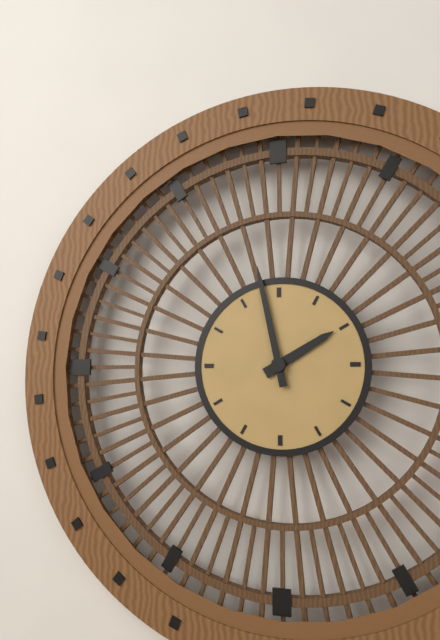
**1:58**
